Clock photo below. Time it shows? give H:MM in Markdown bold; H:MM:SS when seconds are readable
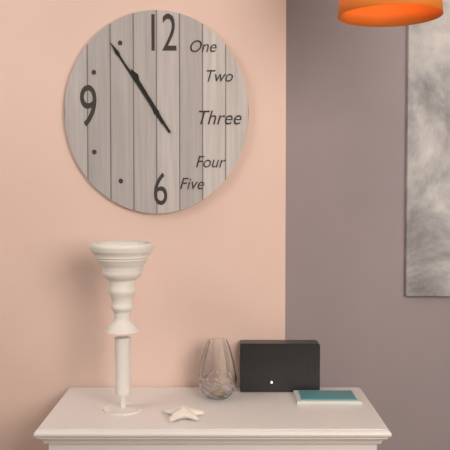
**10:54**
